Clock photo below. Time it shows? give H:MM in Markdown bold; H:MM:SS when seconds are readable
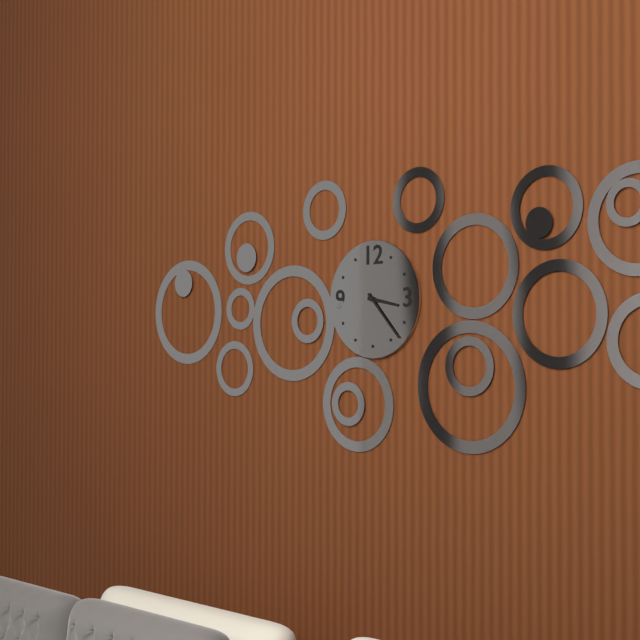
**3:23**
